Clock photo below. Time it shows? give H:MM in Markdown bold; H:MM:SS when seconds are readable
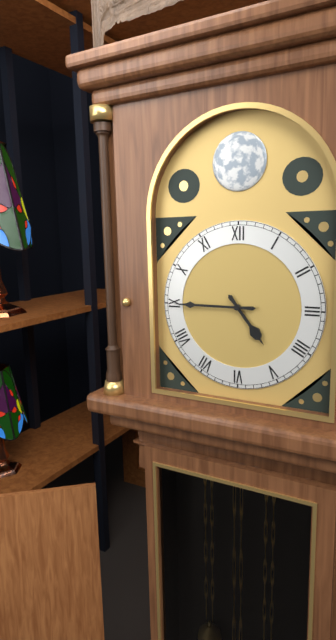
**4:45**
